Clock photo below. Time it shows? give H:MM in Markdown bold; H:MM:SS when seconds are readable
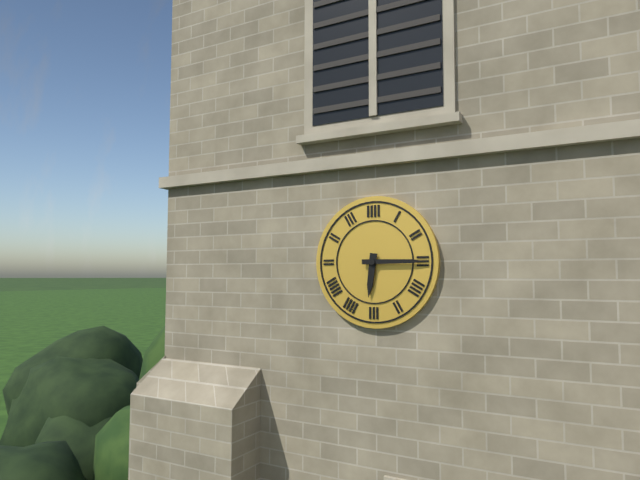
**6:15**
